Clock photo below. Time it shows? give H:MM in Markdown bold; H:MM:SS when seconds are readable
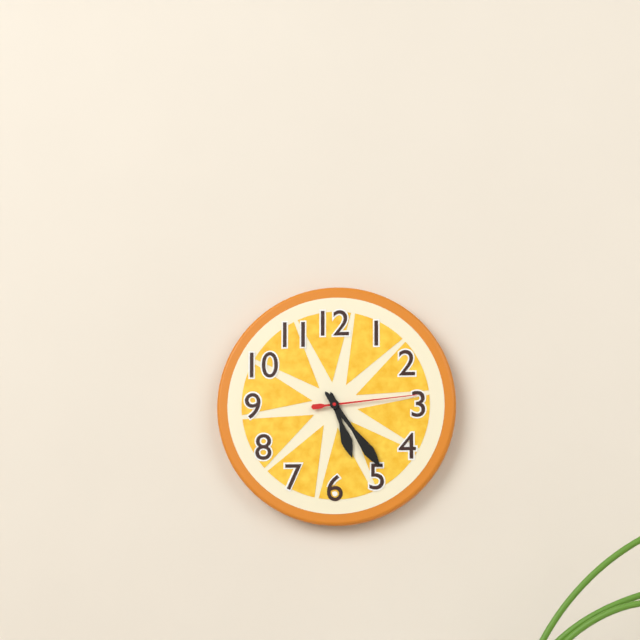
**5:24:14**
